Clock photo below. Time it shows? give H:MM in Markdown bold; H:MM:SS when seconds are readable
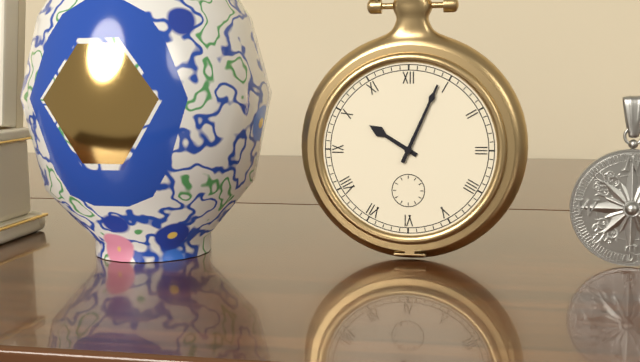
**10:04**
